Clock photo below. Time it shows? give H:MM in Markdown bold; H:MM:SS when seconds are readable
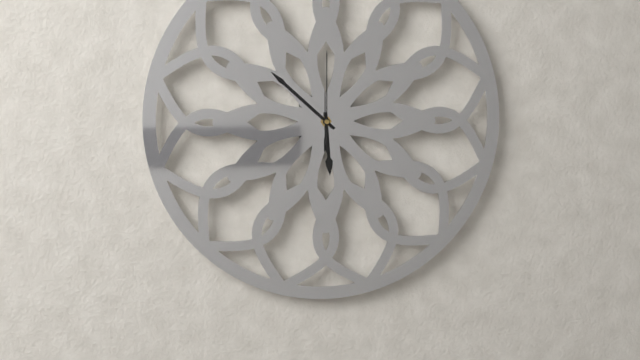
**5:52:00**
